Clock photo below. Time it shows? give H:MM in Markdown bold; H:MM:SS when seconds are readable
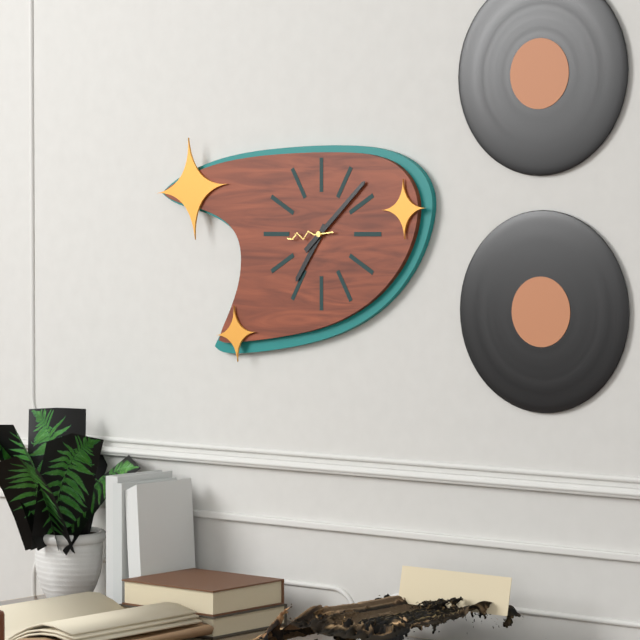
**7:08:44**
